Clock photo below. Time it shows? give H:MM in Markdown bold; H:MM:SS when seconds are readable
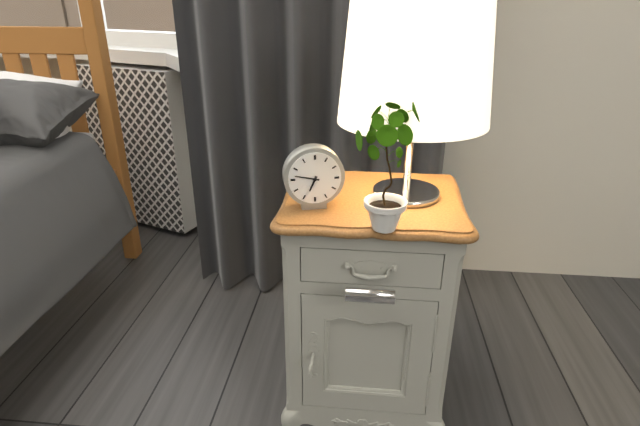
**6:47**
